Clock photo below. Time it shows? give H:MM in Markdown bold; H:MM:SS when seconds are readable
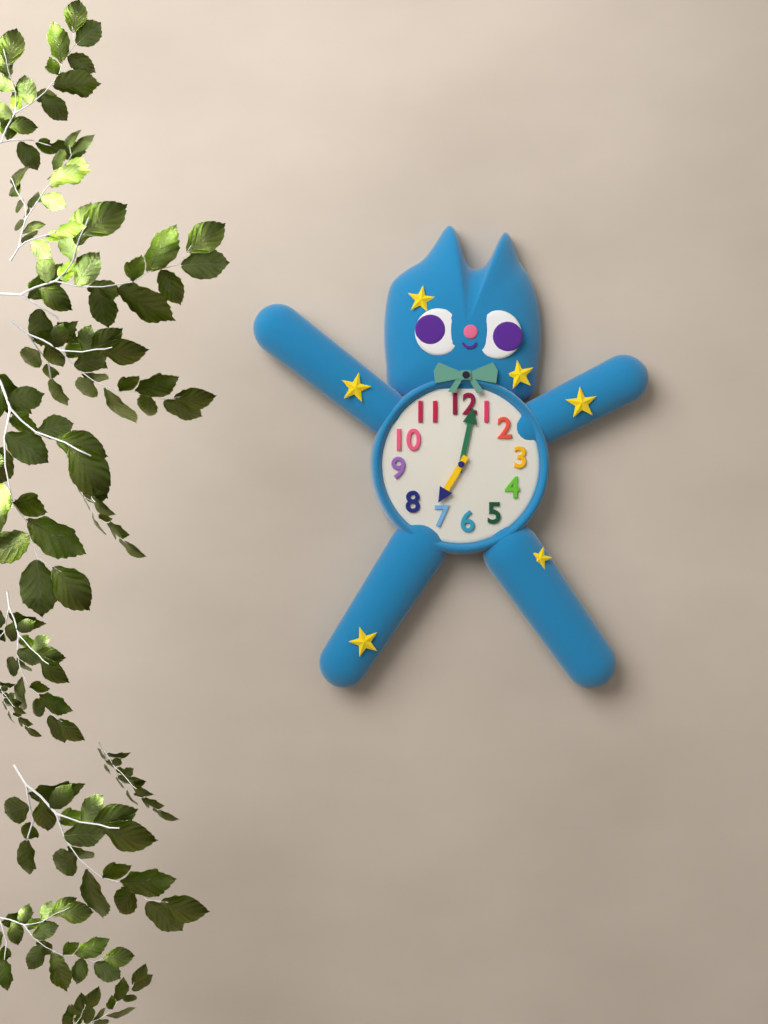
**7:02**
